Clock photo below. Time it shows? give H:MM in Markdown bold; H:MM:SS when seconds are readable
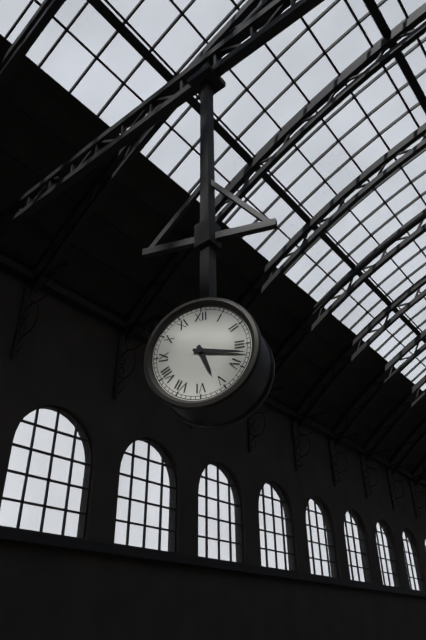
**5:17**
